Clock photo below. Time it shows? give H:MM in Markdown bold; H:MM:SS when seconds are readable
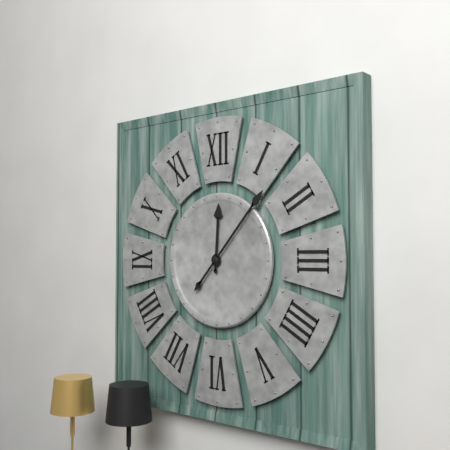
**12:07**
